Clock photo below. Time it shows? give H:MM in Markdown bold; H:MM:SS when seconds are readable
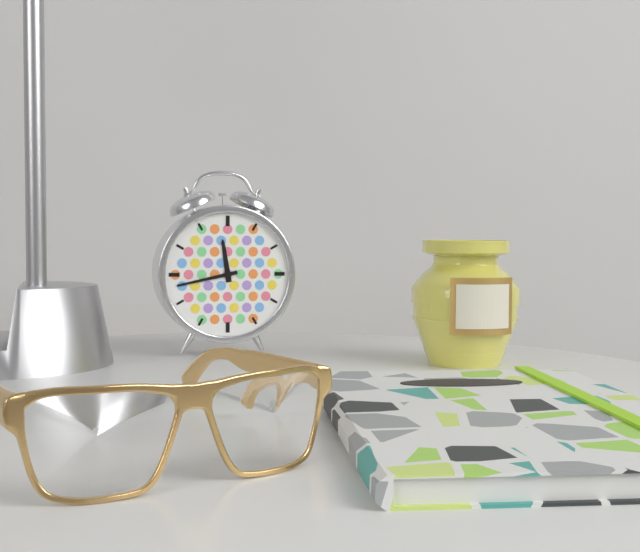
**11:43**
